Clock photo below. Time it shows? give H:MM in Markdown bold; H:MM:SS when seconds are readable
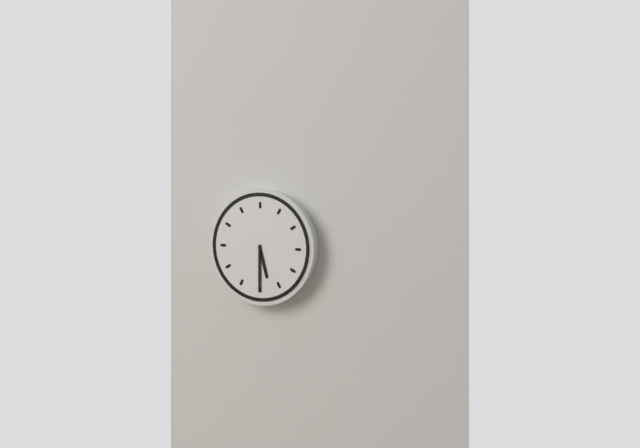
**5:30**
